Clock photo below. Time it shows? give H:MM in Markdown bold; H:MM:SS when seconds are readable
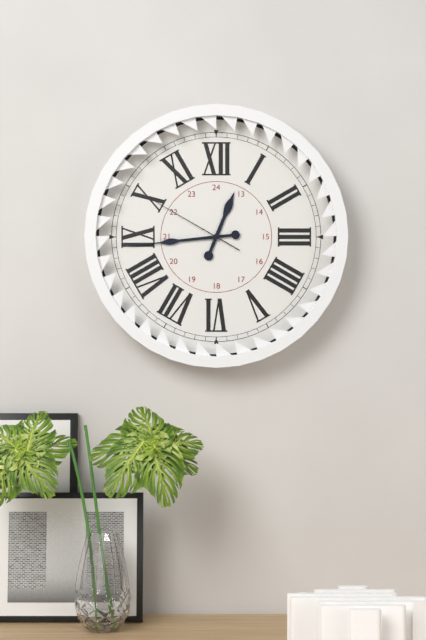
**12:44:50**
